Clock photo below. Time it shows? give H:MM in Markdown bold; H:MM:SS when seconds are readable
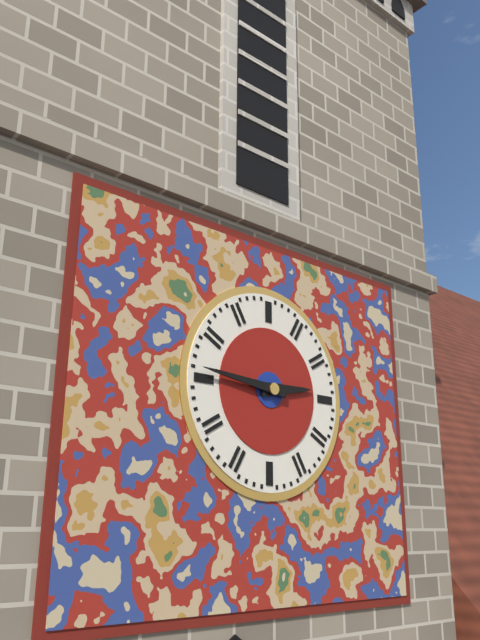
**2:46**
